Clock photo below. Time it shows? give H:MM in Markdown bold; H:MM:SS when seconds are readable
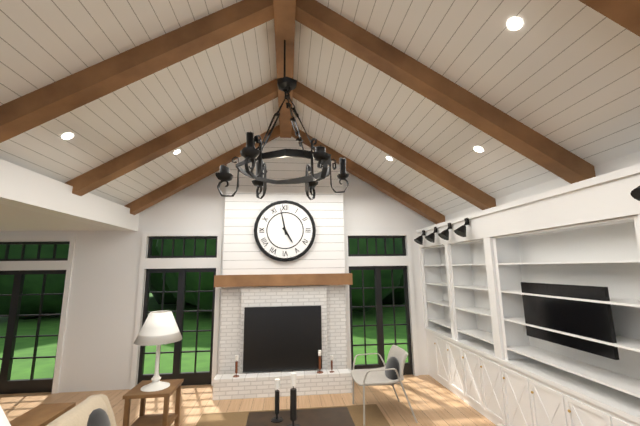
**4:58**
